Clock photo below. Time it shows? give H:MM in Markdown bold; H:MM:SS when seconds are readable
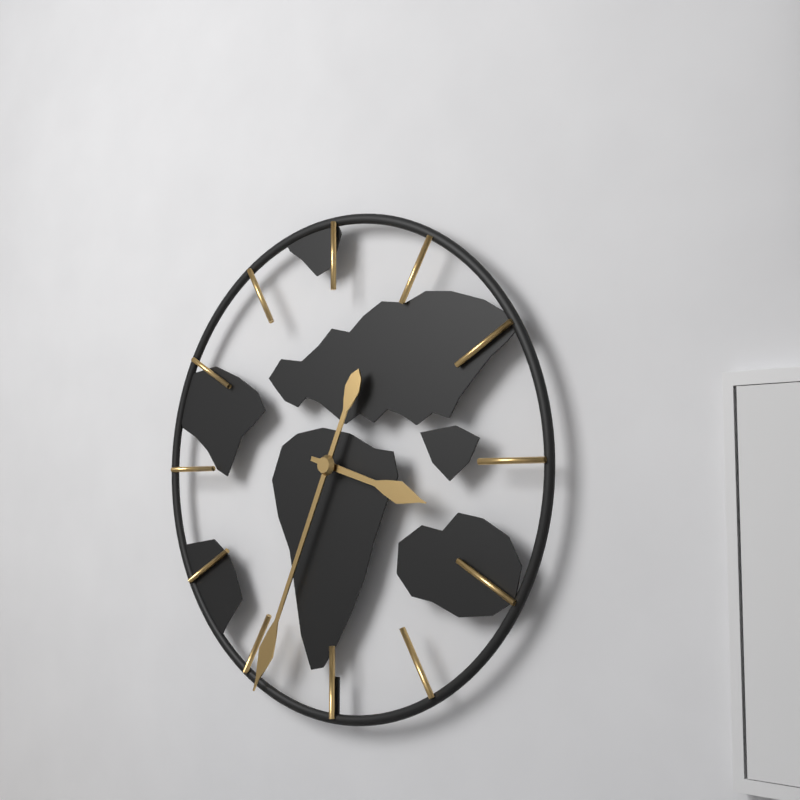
**3:34**
